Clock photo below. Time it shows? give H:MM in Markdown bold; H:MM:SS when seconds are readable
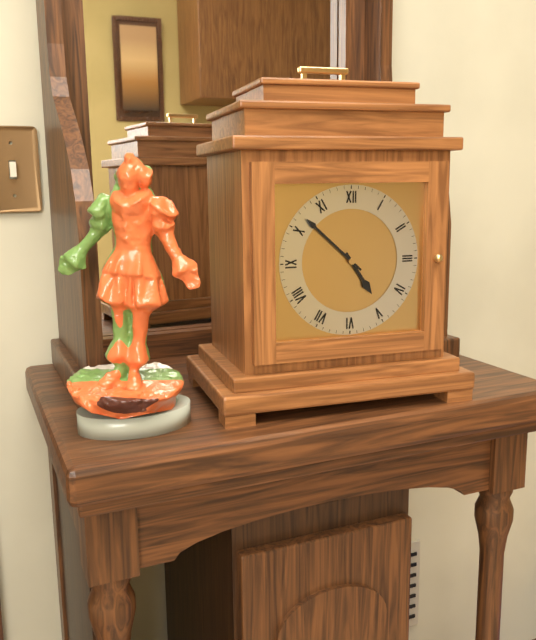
**4:52**
